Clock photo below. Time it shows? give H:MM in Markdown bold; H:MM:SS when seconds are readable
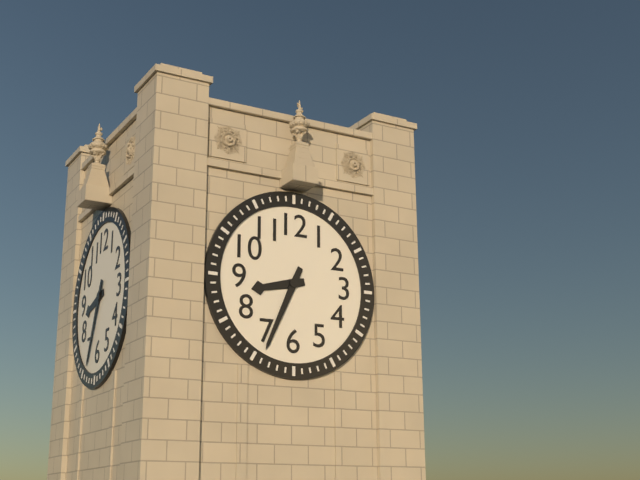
**8:34**
